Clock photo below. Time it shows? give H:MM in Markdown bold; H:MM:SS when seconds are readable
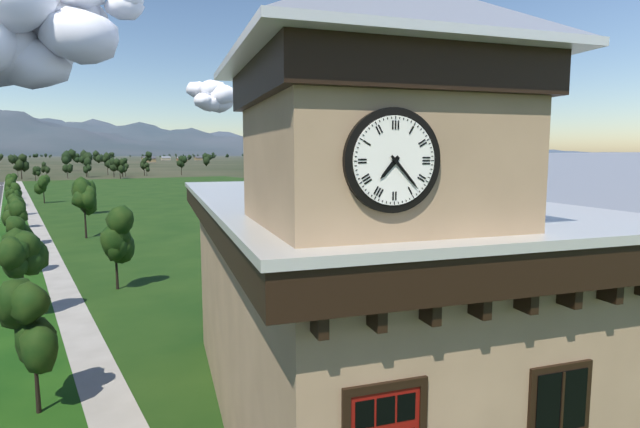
**7:23**
